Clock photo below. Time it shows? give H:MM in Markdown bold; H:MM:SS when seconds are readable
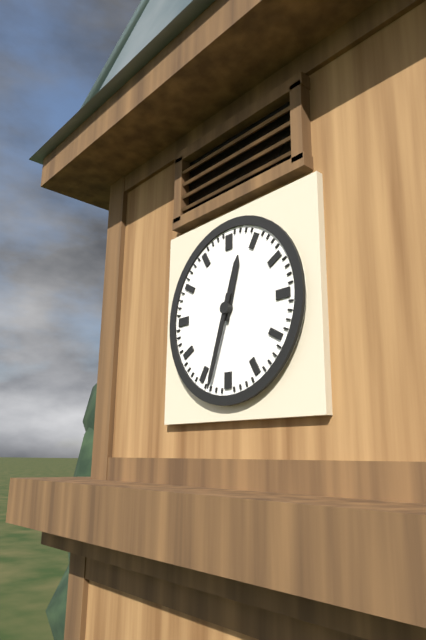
**12:33**
